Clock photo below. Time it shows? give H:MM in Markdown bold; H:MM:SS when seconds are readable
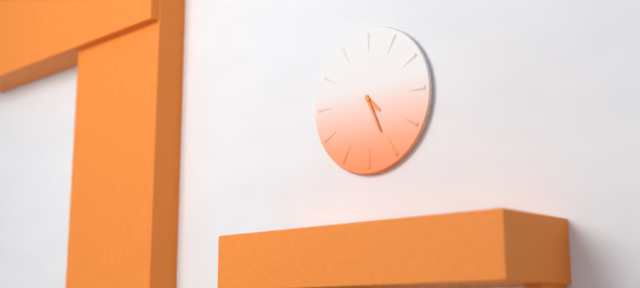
**4:26**
